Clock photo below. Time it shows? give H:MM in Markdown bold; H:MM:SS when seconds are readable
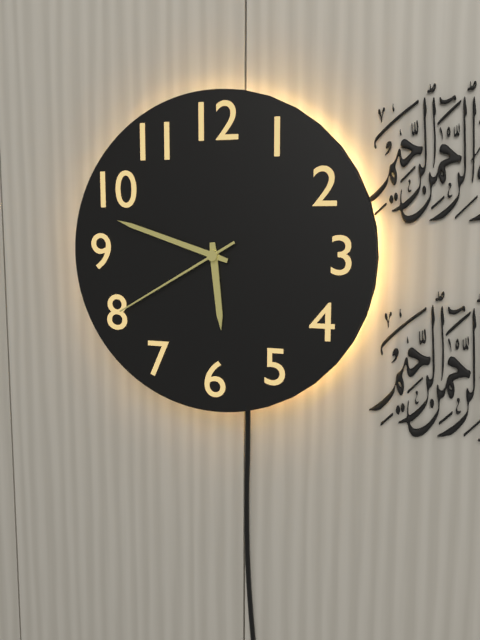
**5:48:40**
